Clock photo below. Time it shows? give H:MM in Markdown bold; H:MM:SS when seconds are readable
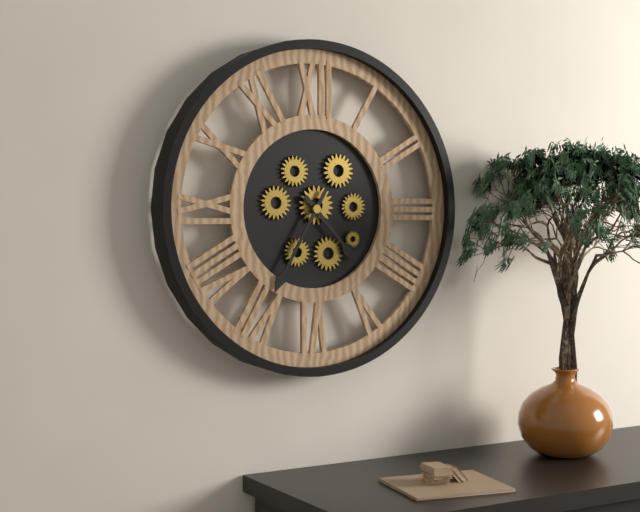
**4:35**
